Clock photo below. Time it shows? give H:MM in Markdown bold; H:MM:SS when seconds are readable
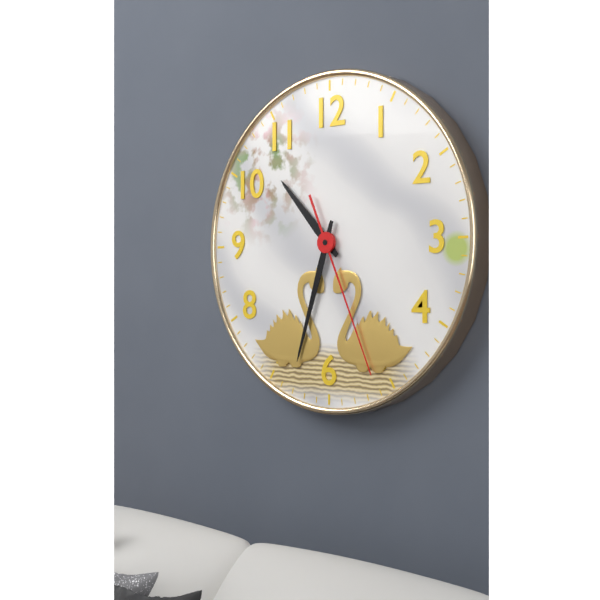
**10:33:26**
